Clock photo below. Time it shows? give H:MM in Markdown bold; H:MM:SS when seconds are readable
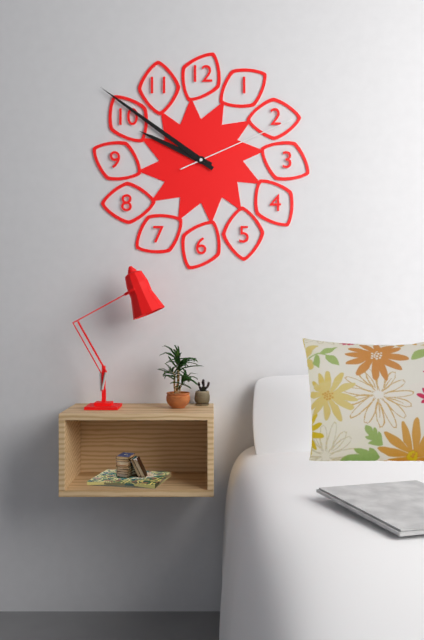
**9:51:11**
